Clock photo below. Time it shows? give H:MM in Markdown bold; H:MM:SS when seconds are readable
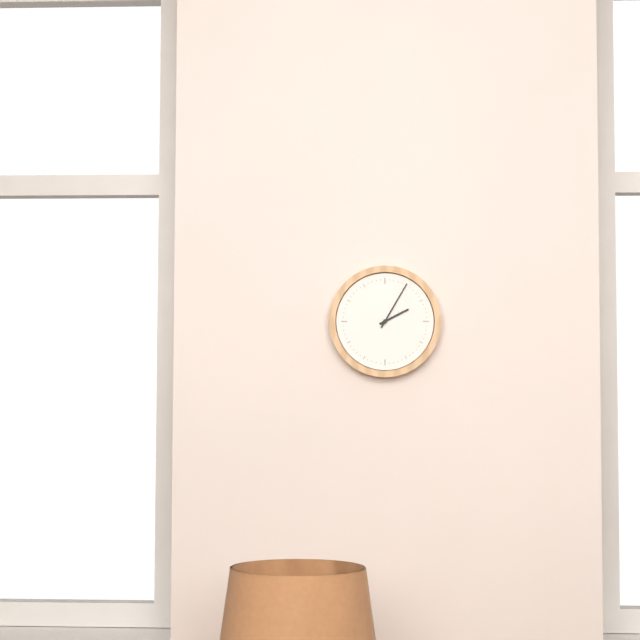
**2:05**
